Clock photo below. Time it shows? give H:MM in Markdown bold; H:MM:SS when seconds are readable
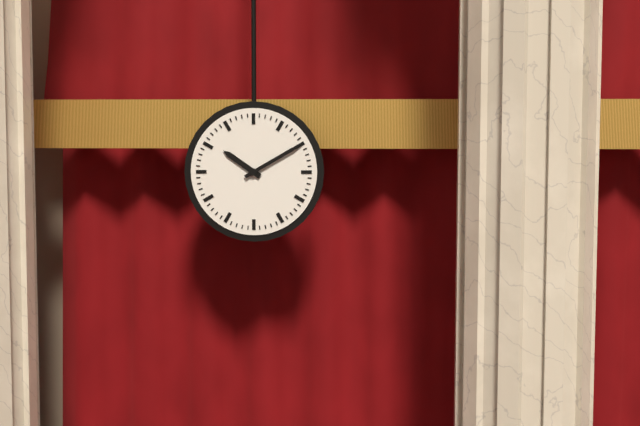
**10:10**
